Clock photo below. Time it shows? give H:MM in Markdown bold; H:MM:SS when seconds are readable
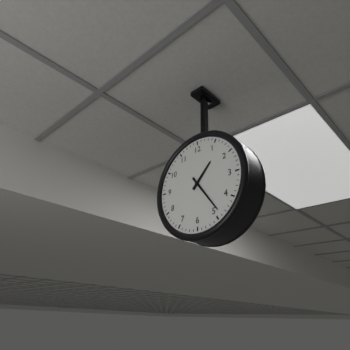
**1:24**
